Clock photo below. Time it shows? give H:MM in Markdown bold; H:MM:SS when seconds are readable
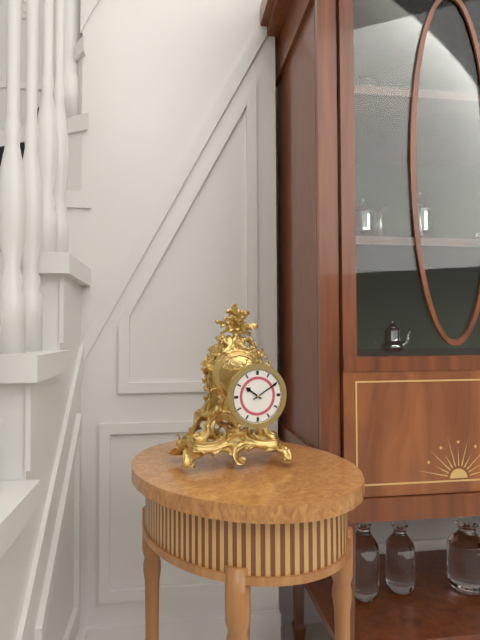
**10:10**
